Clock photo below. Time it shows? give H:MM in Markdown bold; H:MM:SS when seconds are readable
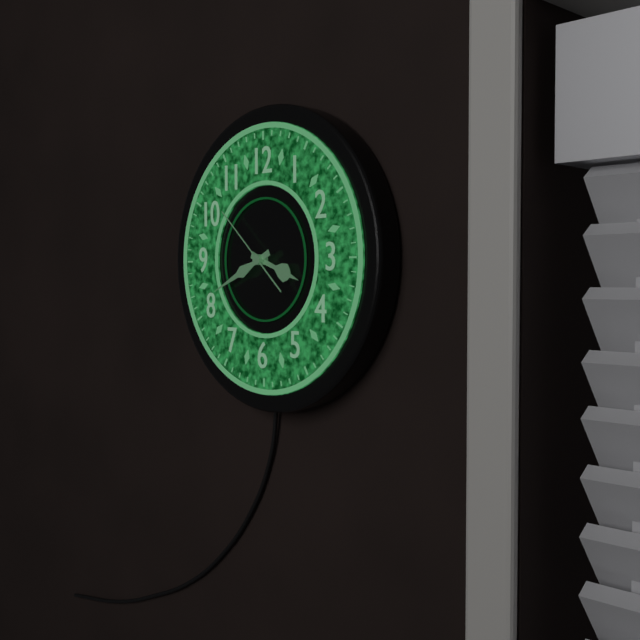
**3:41:52**
